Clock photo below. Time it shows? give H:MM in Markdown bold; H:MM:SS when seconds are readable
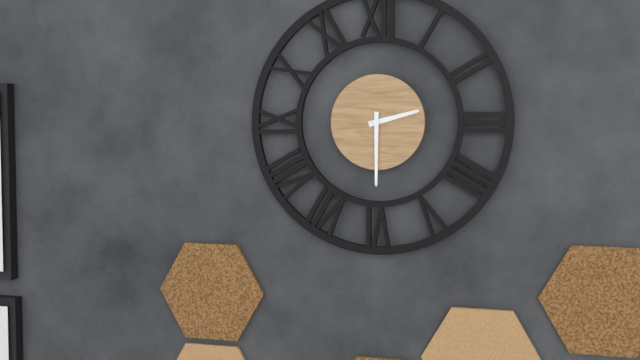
**2:30**
